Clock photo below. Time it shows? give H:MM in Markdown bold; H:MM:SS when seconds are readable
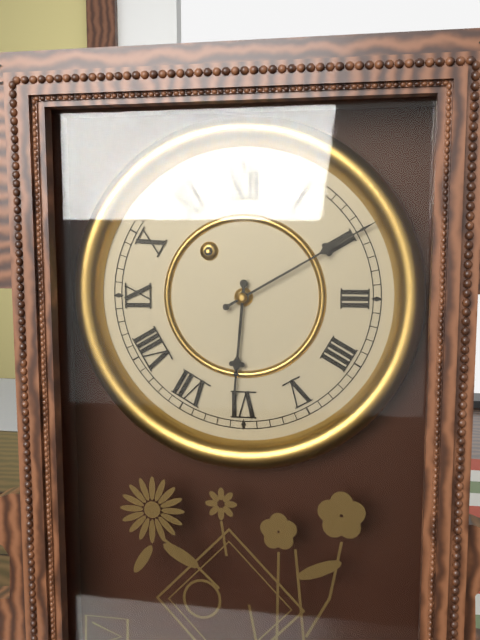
**6:10**
